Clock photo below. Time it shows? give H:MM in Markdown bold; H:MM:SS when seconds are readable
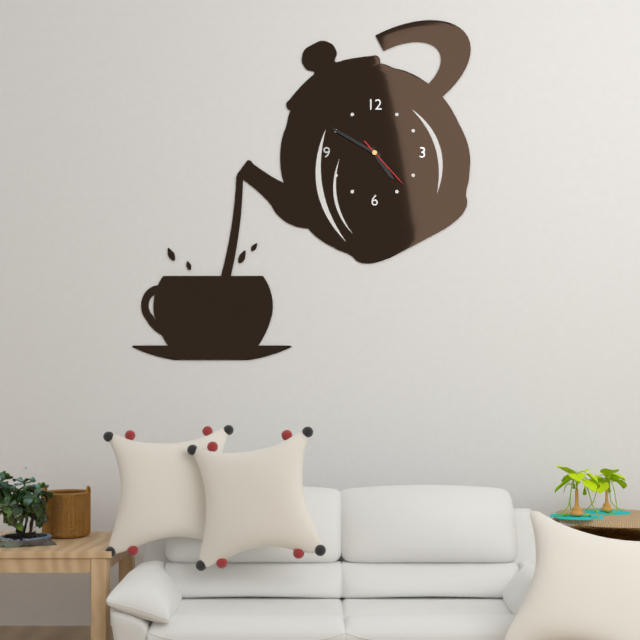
**4:50:23**
